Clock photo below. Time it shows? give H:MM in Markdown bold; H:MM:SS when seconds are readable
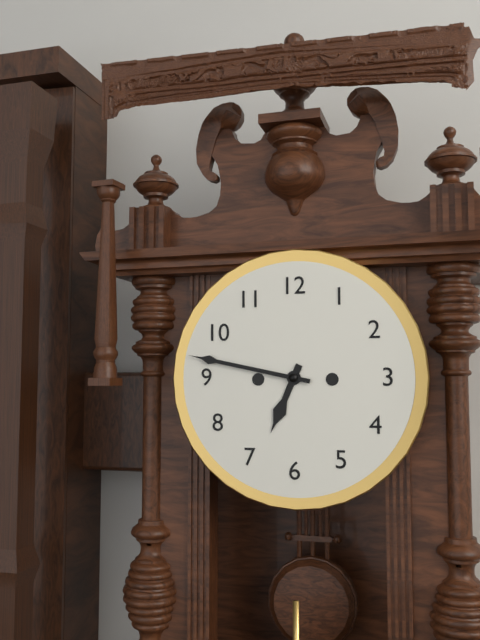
**6:47**
